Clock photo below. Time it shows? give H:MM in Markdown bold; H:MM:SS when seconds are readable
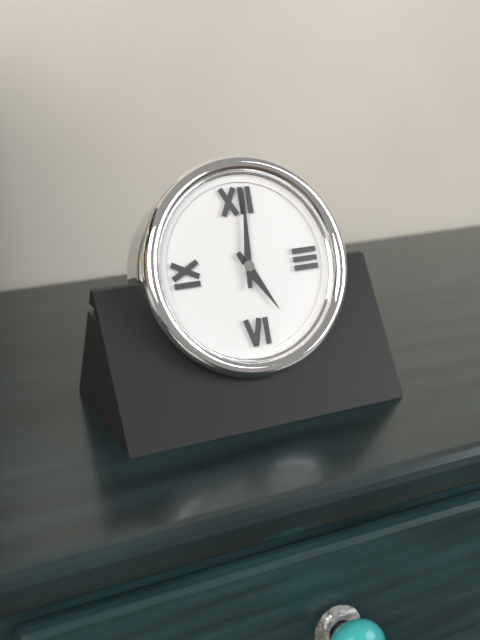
**5:01**
